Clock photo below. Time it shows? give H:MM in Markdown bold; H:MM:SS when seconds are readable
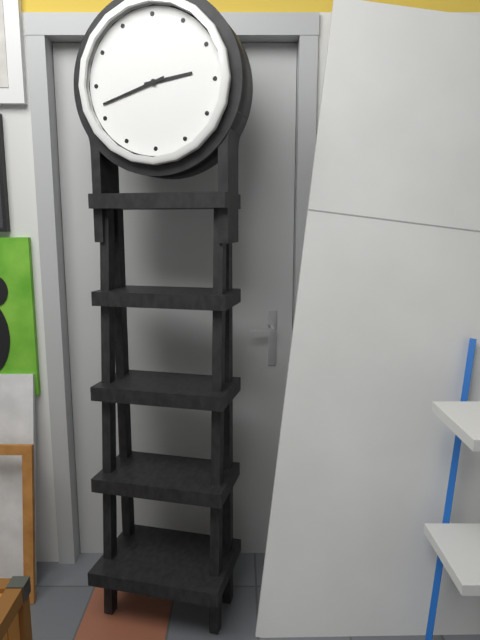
**2:42**
